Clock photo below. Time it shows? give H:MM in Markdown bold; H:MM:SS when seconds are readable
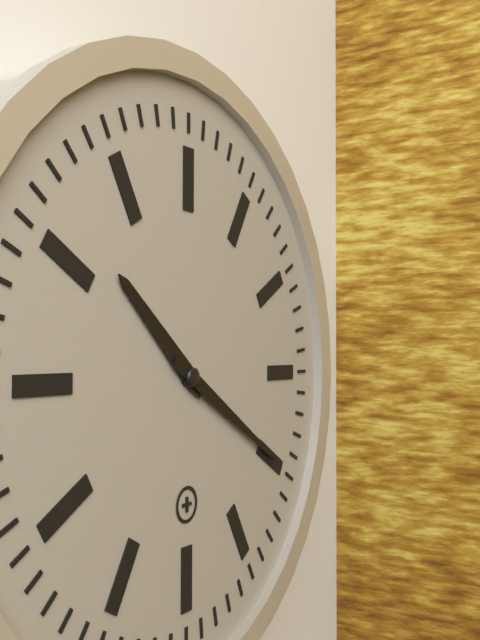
**10:20**
